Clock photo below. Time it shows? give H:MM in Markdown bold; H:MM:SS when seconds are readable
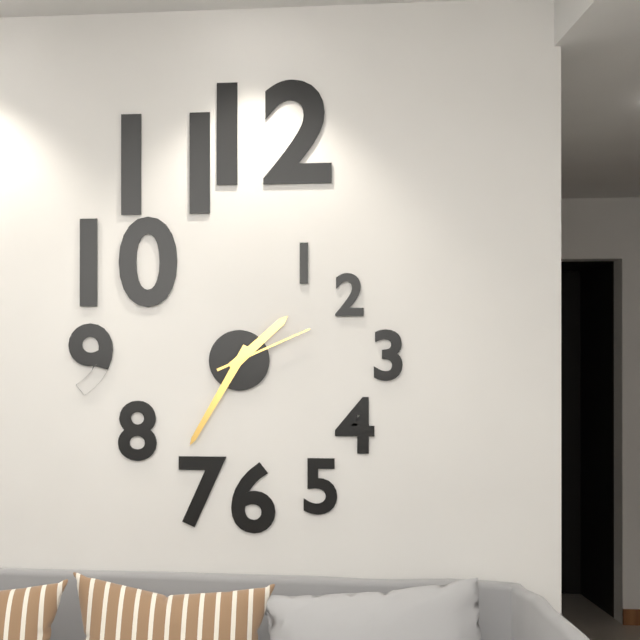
**1:35:11**
